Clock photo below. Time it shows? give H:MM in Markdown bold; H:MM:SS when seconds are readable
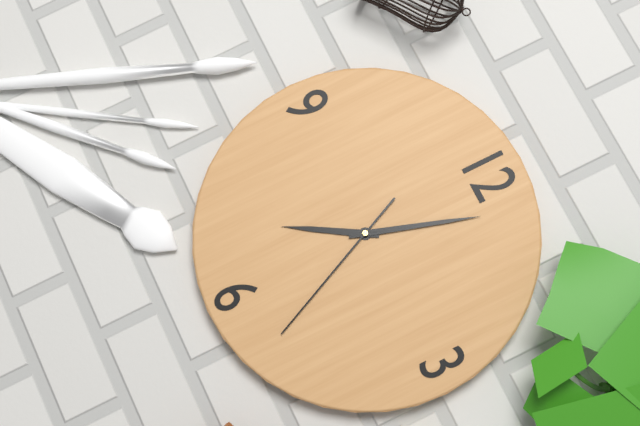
**7:03:26**
